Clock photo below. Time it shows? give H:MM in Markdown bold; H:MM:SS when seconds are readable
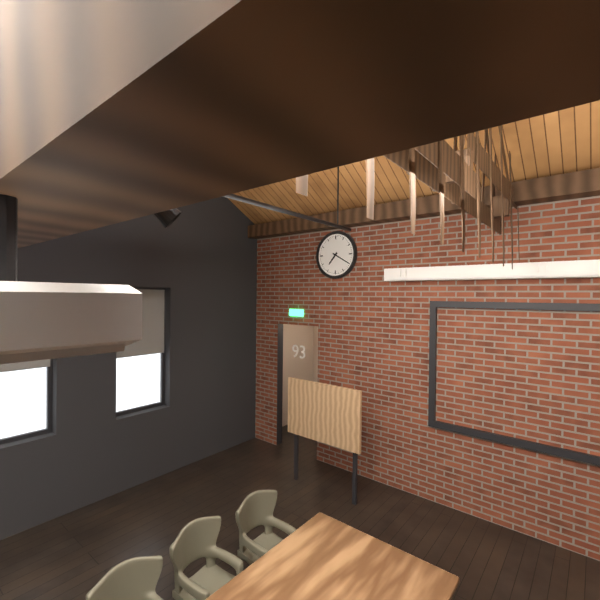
**7:20**
